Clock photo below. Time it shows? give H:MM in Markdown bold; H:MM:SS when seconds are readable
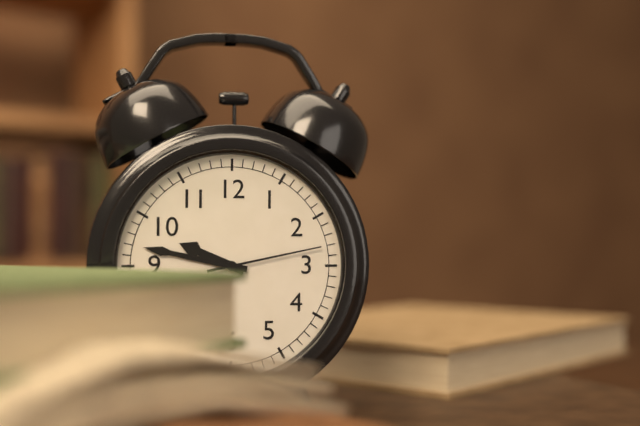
**9:47:13**
